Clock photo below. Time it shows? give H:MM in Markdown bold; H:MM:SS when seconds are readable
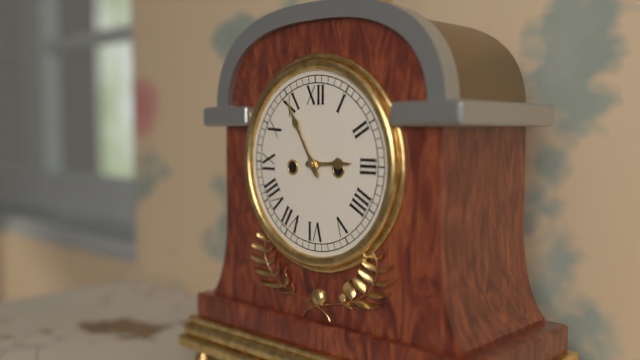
**2:55**
